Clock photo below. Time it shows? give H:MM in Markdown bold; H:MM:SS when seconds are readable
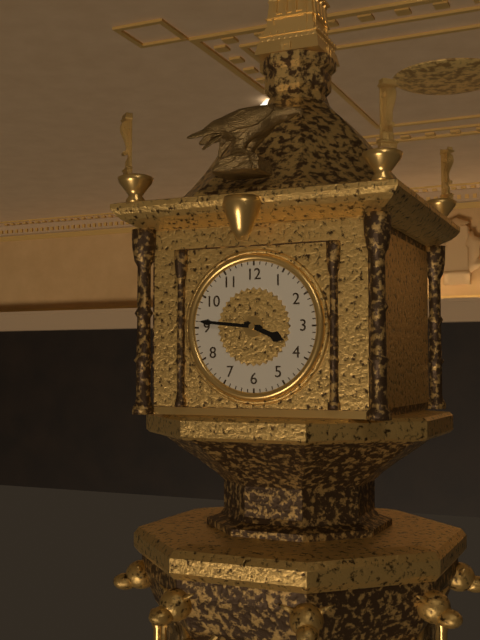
**3:46**
